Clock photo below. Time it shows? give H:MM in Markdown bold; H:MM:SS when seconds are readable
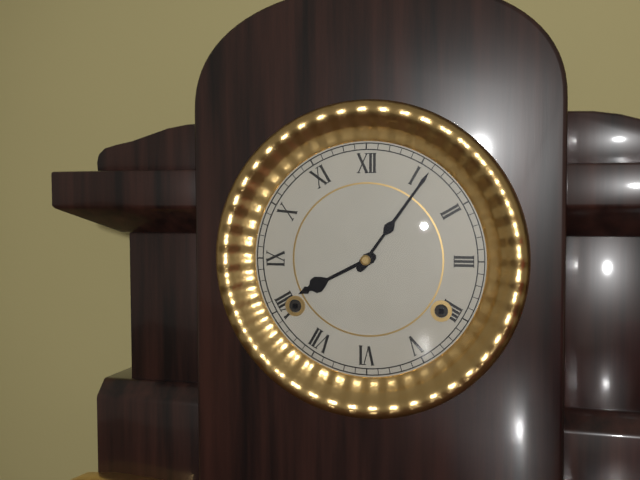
**8:06**
